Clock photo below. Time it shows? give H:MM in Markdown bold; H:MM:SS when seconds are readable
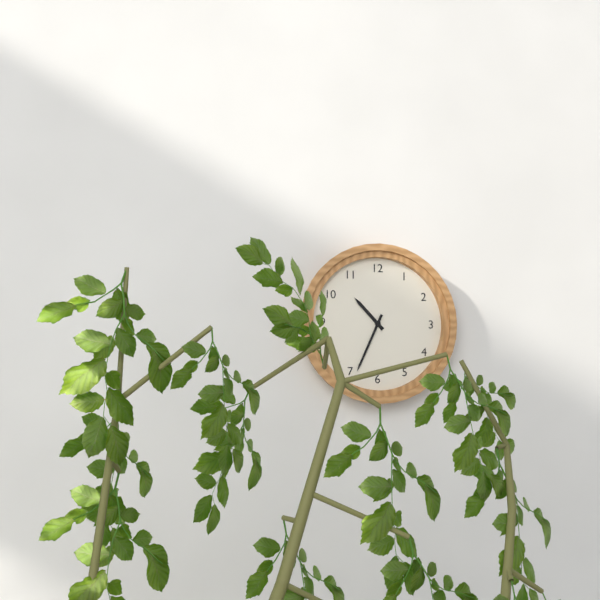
**10:34**
